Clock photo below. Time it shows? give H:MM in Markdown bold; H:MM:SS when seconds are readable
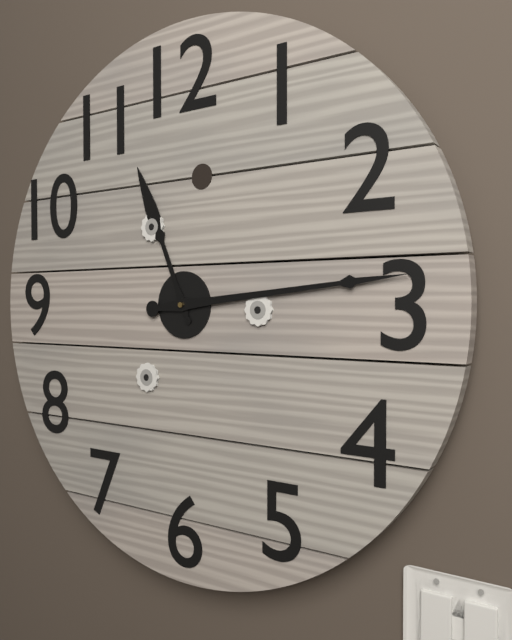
**11:14**
